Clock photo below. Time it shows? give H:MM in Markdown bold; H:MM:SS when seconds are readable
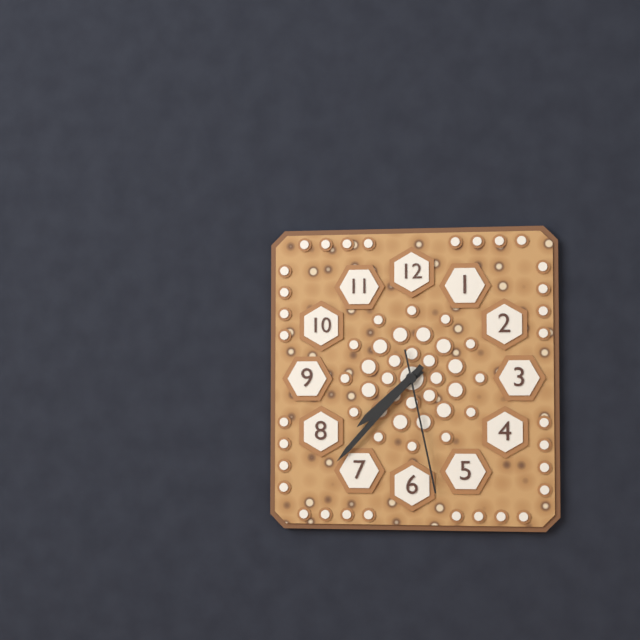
**7:37:28**
